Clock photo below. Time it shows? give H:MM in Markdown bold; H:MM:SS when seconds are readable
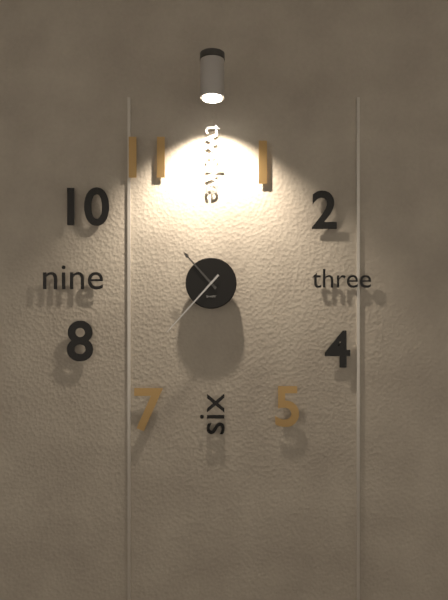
**10:37**
